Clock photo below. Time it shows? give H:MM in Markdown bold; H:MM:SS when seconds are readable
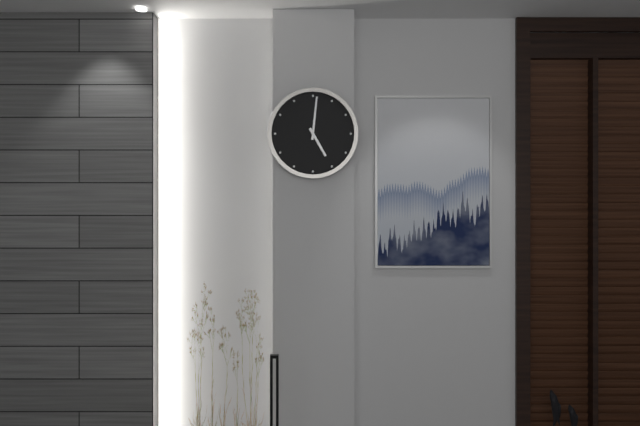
**5:01**
